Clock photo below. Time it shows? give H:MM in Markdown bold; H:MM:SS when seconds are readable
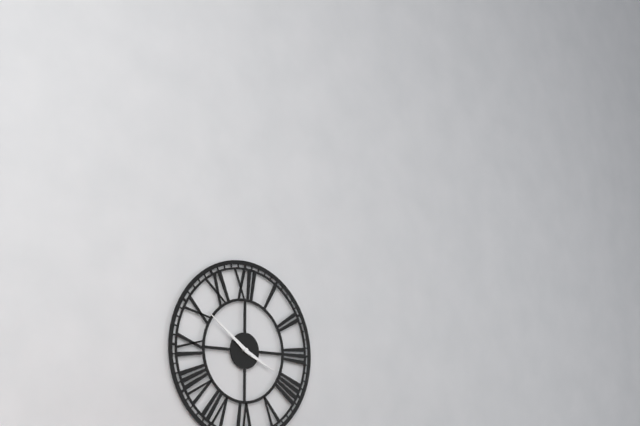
**3:51**
